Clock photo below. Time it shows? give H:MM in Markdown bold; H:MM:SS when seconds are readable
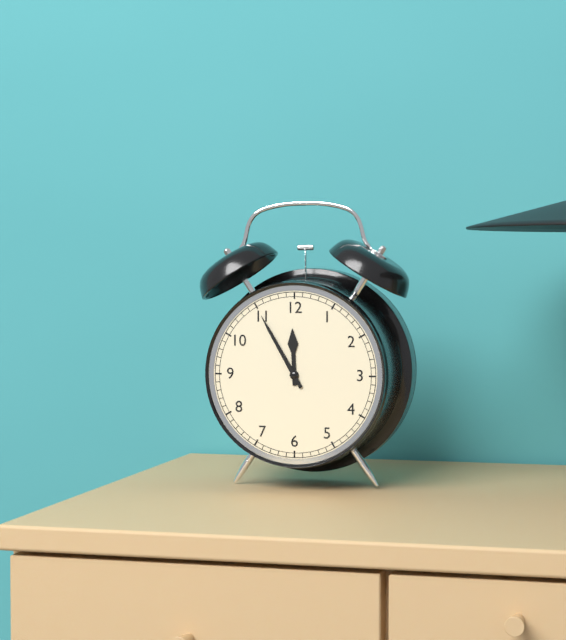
**11:55**
